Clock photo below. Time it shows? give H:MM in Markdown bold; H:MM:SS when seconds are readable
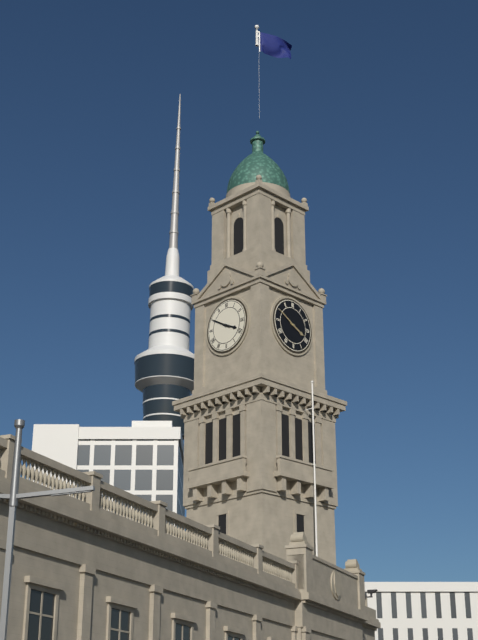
**3:50**
